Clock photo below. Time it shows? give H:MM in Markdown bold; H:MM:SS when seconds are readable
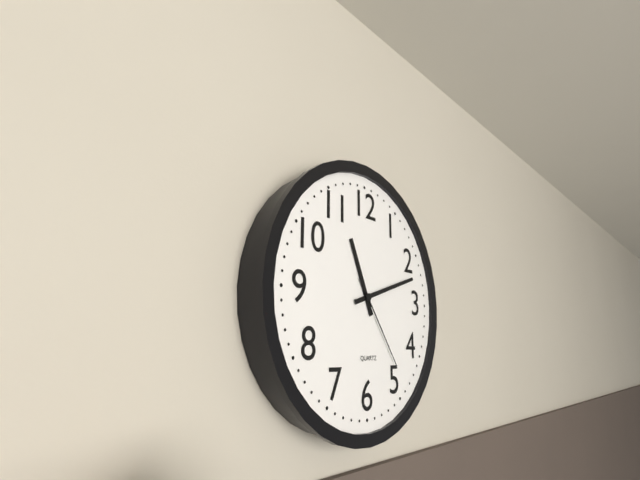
**11:12:24**
